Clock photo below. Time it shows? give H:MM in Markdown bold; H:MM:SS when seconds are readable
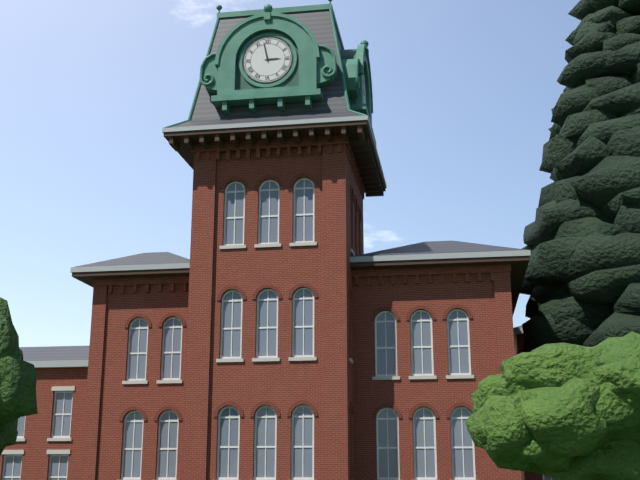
**2:58**
